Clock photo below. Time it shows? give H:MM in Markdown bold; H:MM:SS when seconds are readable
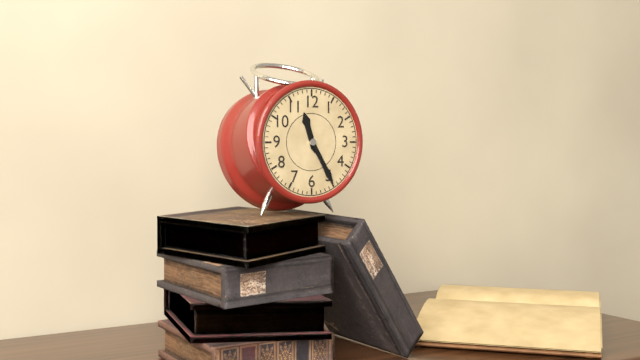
**11:25**
